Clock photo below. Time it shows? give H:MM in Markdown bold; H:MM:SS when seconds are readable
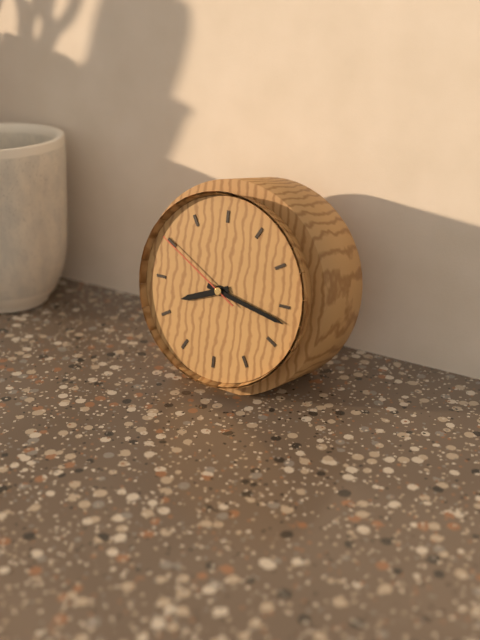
**8:17:50**
